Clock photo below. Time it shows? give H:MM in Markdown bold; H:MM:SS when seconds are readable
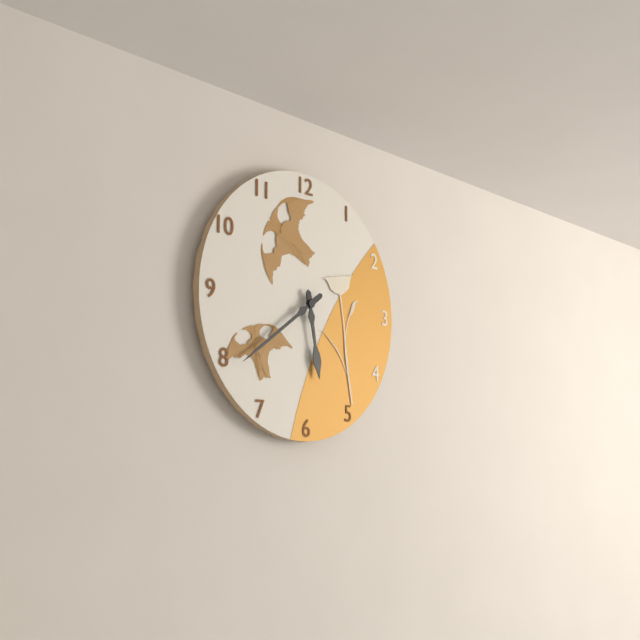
**5:39**
